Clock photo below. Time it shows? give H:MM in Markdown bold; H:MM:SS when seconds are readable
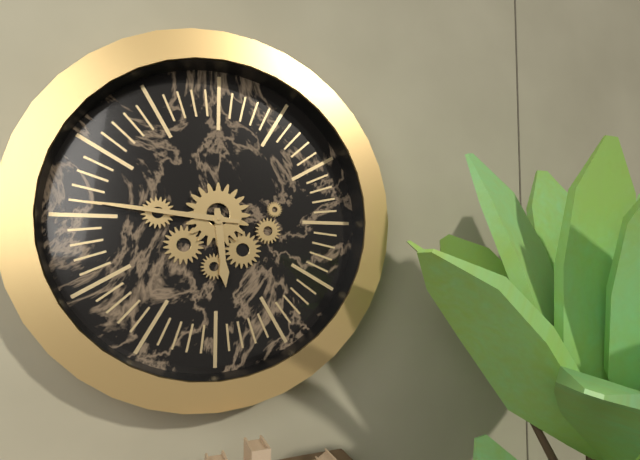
**5:46**
